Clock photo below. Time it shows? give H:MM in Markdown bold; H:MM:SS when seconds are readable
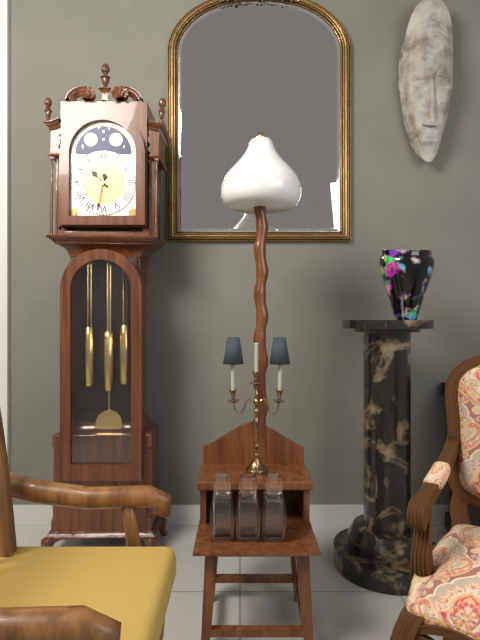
**10:32**
